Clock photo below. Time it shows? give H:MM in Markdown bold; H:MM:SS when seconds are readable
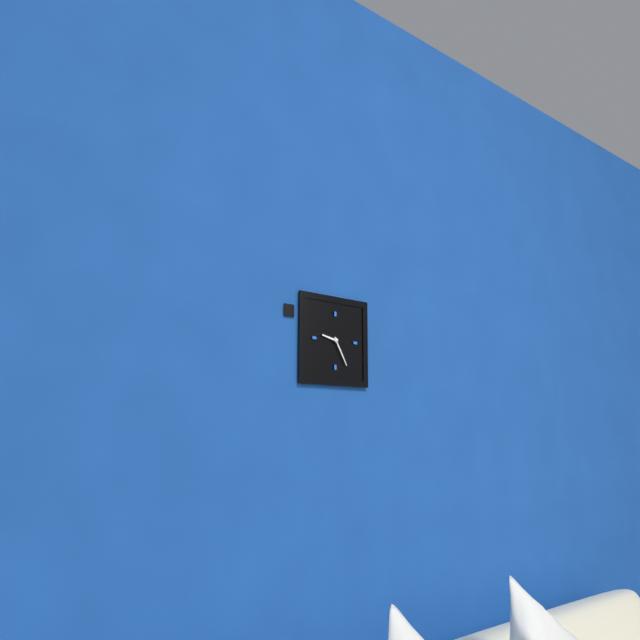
**9:25**
